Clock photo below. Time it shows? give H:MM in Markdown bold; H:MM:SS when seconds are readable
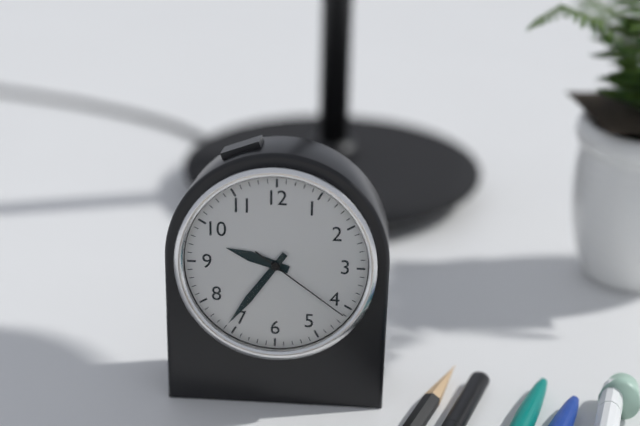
**9:36:21**
